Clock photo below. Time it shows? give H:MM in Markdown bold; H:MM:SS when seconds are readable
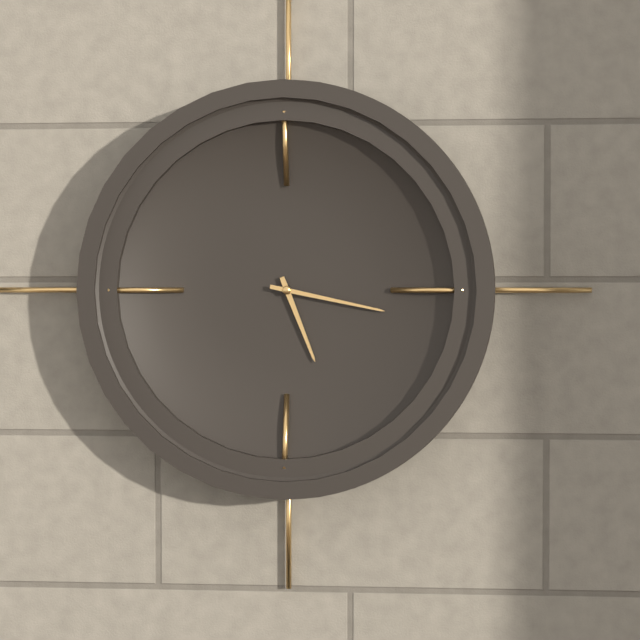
**5:17**
